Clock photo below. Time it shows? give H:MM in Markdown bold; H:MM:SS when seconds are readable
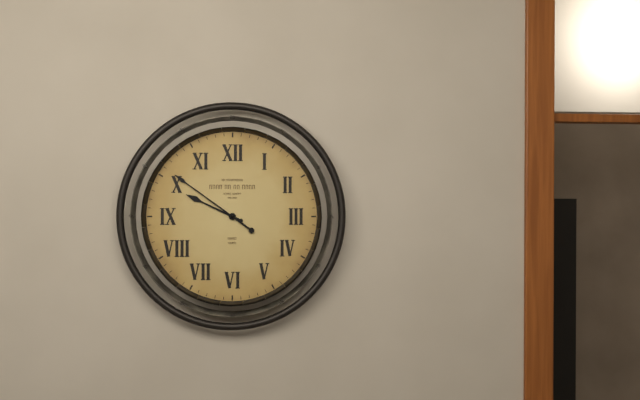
**9:51**
